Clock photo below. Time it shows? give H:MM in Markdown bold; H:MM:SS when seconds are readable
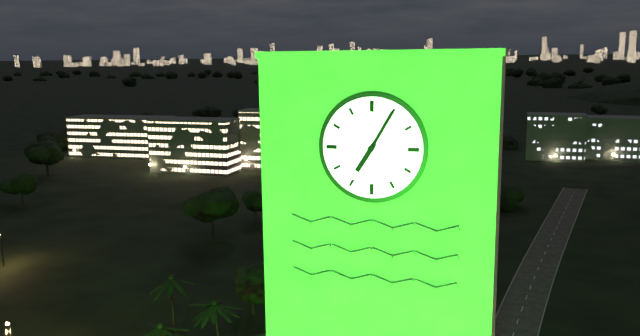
**7:05**
